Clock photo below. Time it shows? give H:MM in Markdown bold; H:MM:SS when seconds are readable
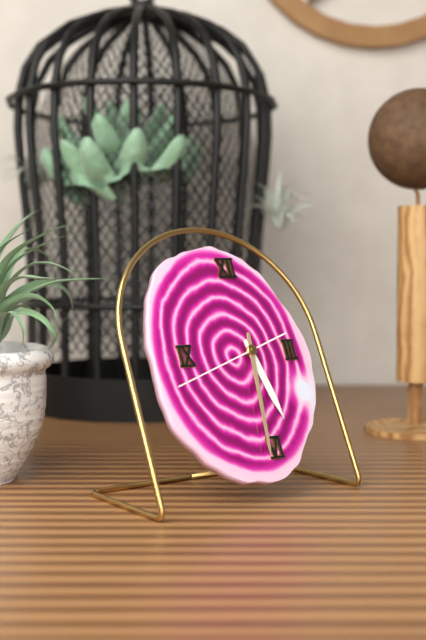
**5:31:42**
